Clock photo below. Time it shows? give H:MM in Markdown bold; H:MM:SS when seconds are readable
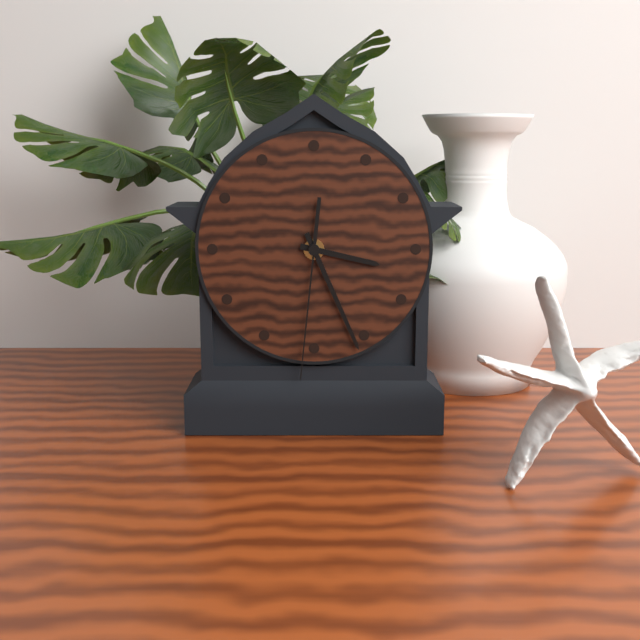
**3:26:31**
